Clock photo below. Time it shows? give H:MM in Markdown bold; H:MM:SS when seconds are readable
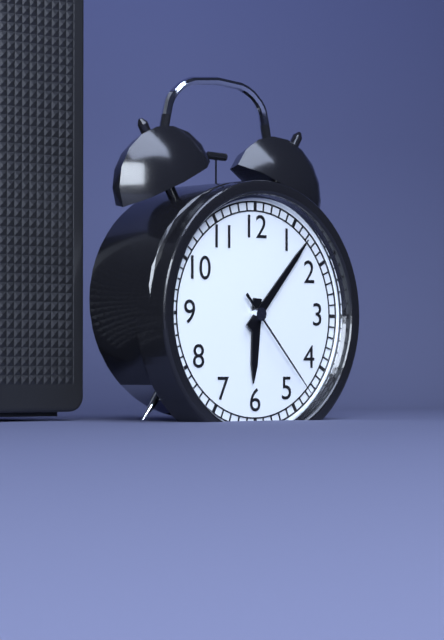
**6:07:23**
